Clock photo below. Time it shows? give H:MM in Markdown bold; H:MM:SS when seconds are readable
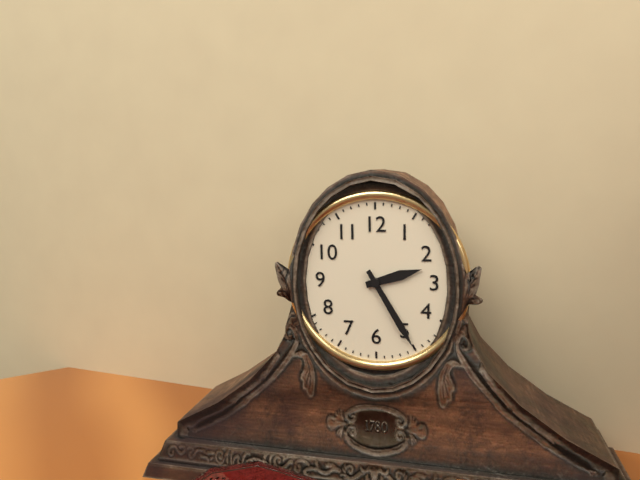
**2:25**
